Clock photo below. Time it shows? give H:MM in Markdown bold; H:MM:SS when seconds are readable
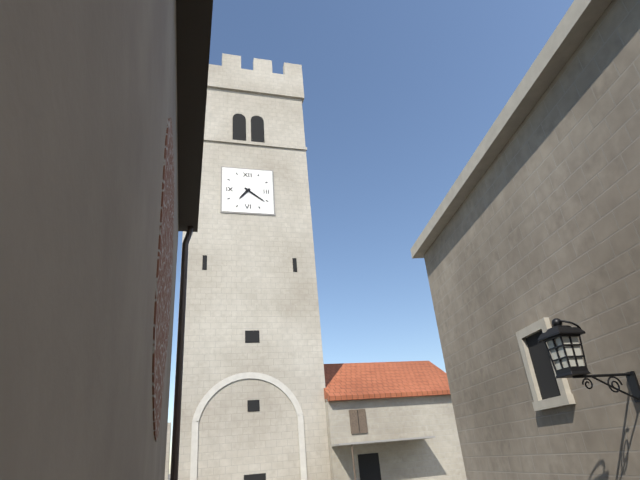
**7:21**
